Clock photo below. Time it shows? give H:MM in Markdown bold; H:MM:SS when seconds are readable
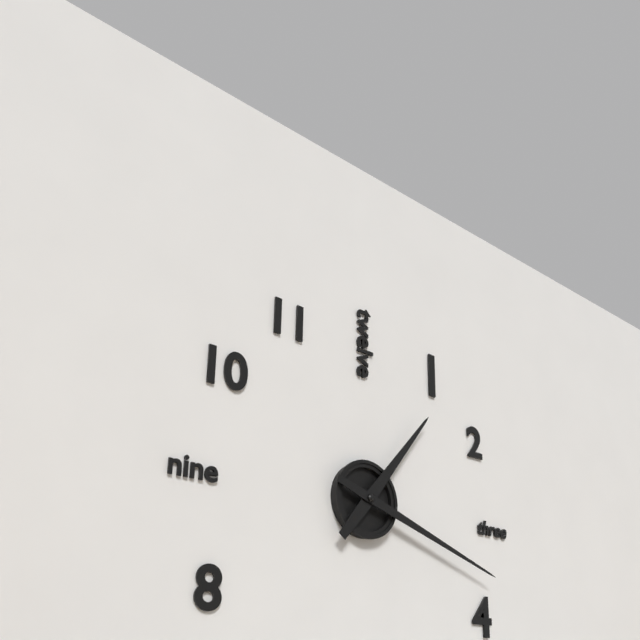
**1:18**
